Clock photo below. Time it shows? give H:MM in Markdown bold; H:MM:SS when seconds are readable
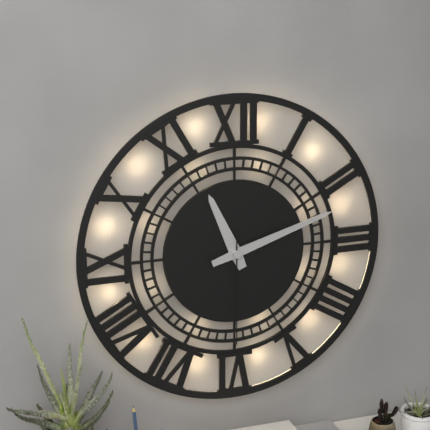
**11:12:30**
